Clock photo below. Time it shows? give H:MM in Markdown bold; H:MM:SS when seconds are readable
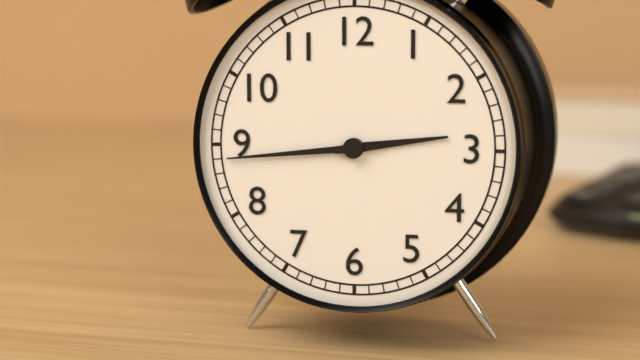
**2:44**
